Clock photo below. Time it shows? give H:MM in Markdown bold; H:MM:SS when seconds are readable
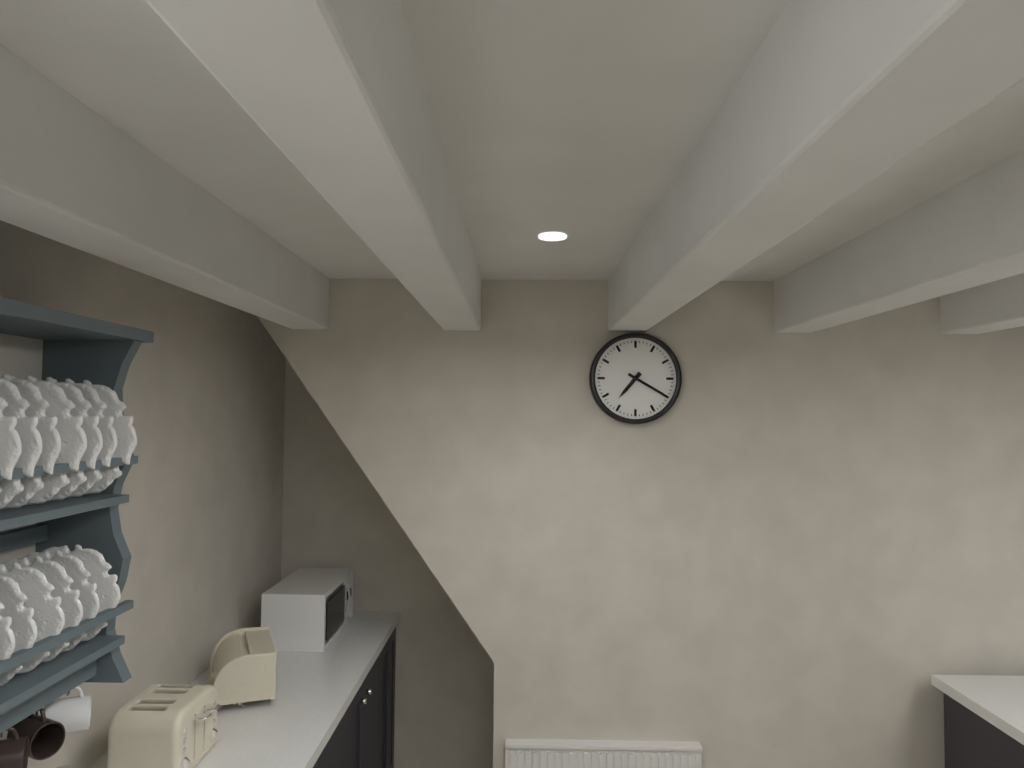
**7:20**
